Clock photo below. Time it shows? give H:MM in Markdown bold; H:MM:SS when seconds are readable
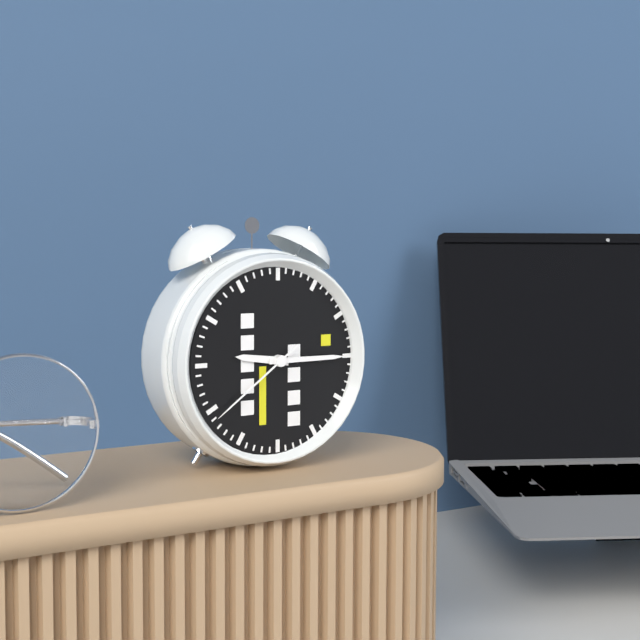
**9:15:39**
